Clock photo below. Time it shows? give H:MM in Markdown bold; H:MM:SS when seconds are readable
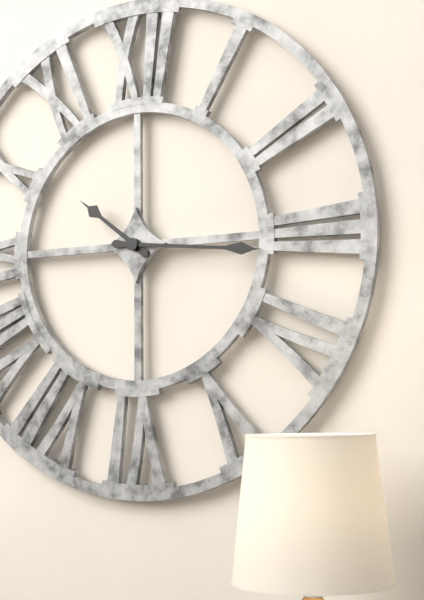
**10:16**
